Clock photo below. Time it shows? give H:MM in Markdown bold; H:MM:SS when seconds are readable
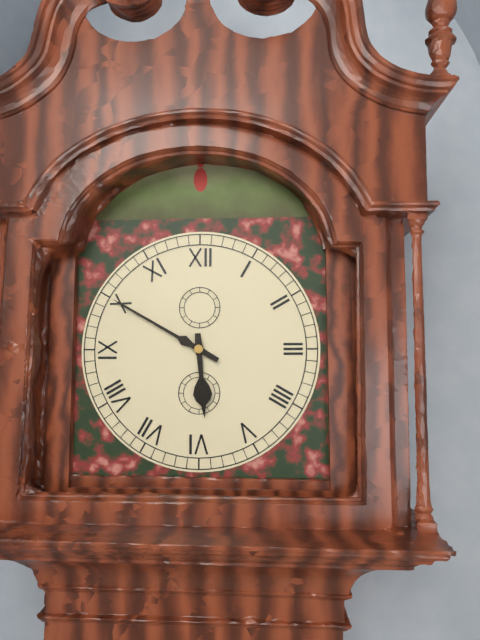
**5:50**
